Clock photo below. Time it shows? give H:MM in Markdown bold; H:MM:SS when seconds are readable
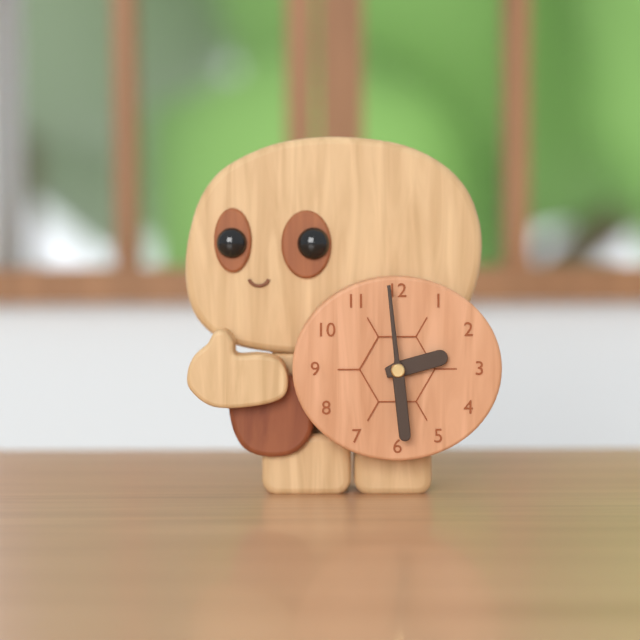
**2:29**
